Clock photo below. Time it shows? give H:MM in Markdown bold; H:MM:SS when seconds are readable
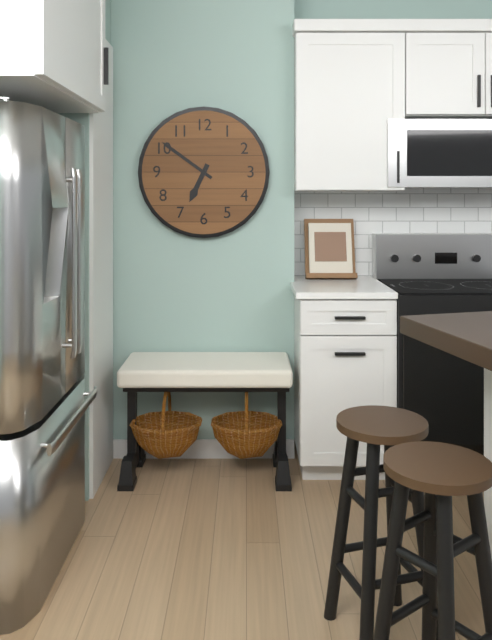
**6:51**
